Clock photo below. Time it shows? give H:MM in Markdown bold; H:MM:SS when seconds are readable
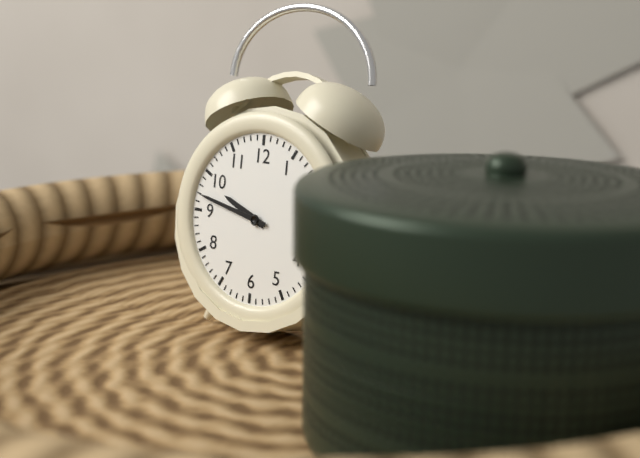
**9:47**
